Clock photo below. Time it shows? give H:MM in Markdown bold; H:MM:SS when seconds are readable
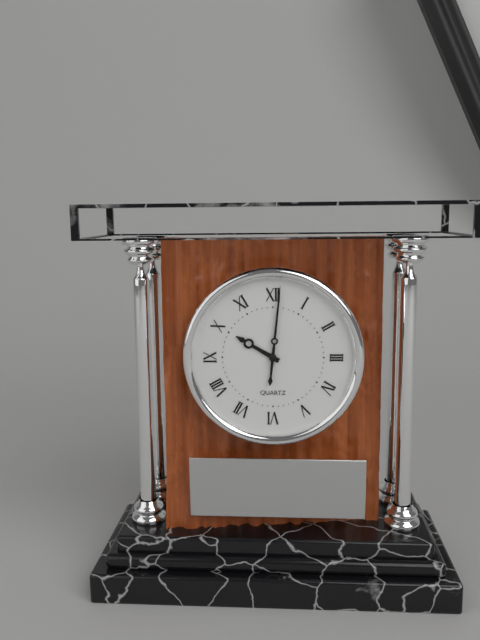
**10:01**
